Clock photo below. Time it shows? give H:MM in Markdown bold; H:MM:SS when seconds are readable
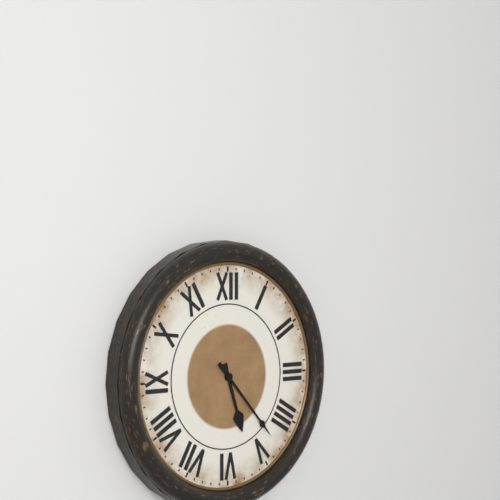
**5:23**
